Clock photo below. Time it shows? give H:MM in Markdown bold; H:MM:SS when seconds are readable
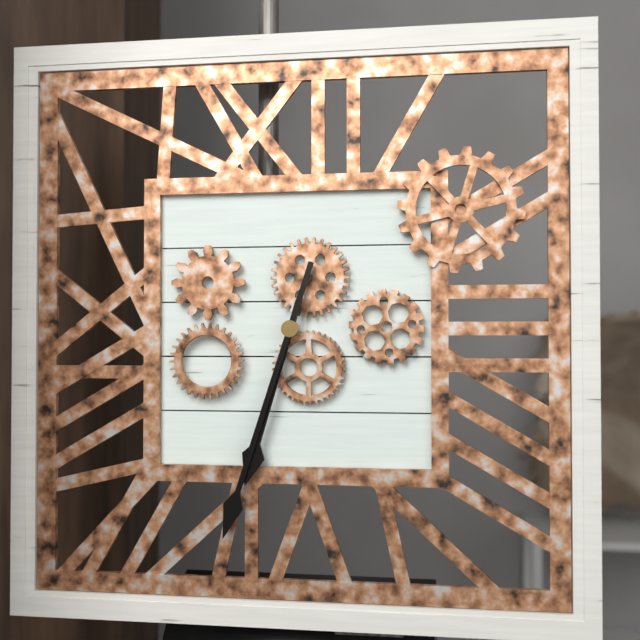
**6:33**
